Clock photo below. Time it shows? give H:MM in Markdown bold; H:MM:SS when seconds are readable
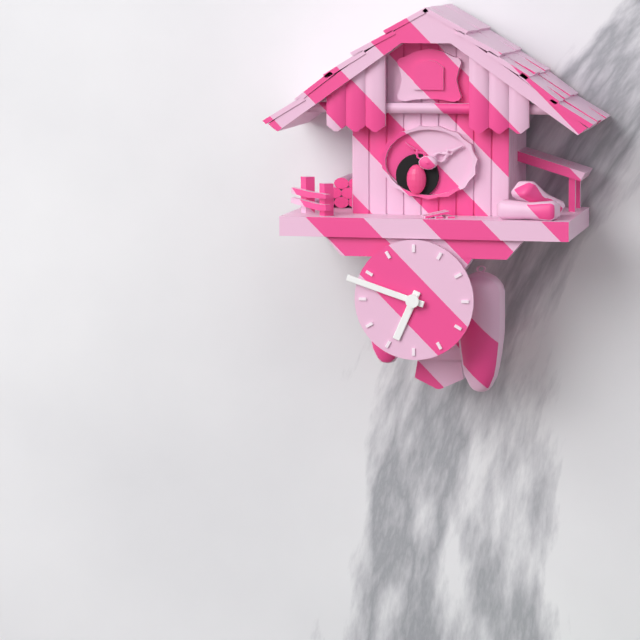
**6:48**
